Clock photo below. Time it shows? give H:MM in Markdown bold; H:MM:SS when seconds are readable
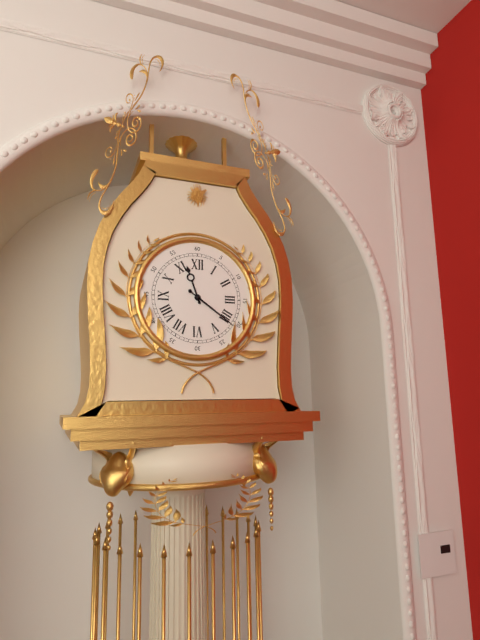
**11:21**
